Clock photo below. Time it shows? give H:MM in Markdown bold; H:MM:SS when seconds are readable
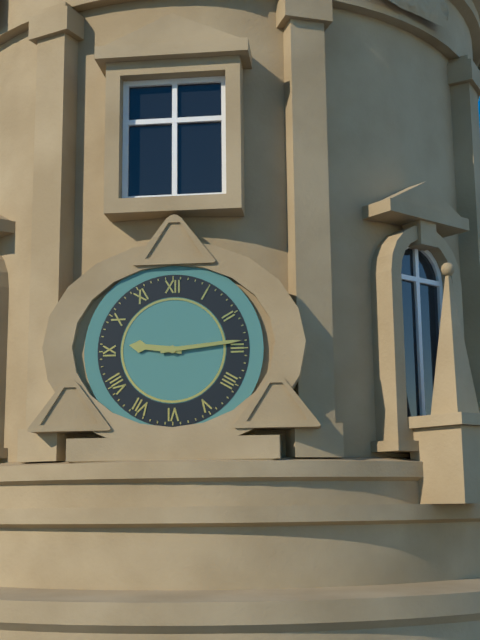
**9:14**
